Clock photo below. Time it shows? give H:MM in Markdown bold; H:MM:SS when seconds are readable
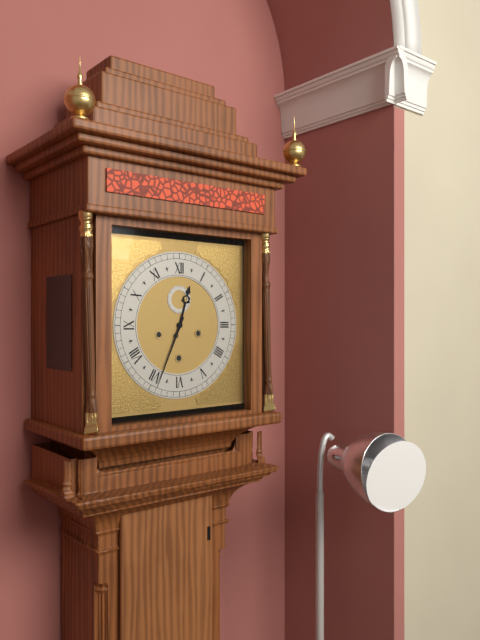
**12:34**
